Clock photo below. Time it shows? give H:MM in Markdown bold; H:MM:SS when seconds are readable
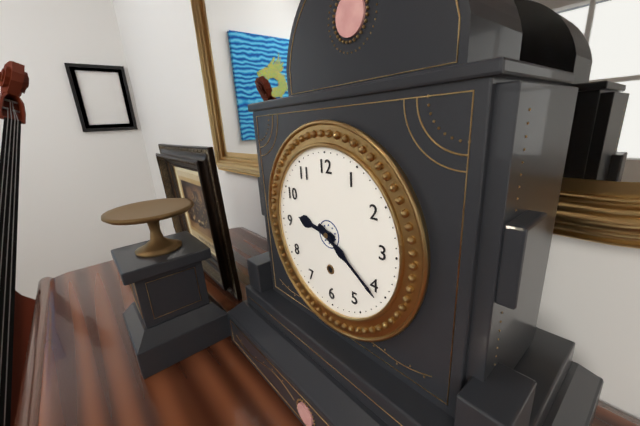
**9:21**
